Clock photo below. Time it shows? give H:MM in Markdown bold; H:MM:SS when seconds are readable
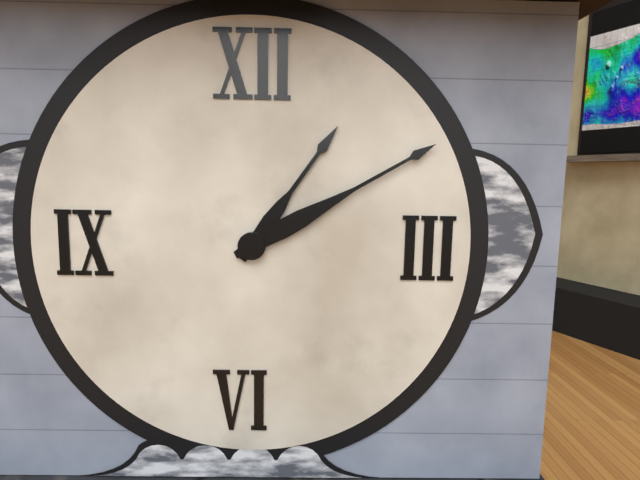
**1:10**
